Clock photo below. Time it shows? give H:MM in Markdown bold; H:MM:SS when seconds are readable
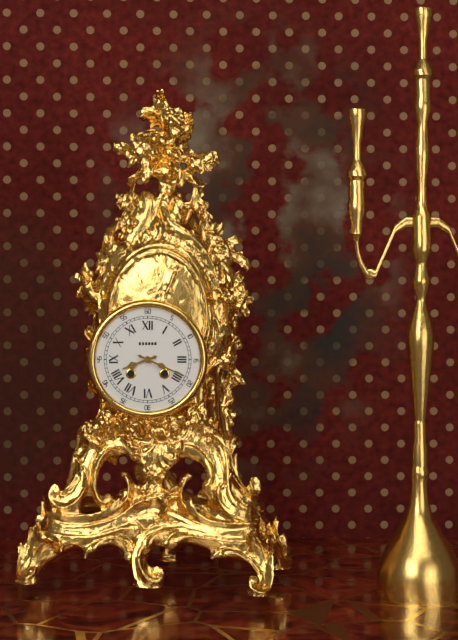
**8:19**
